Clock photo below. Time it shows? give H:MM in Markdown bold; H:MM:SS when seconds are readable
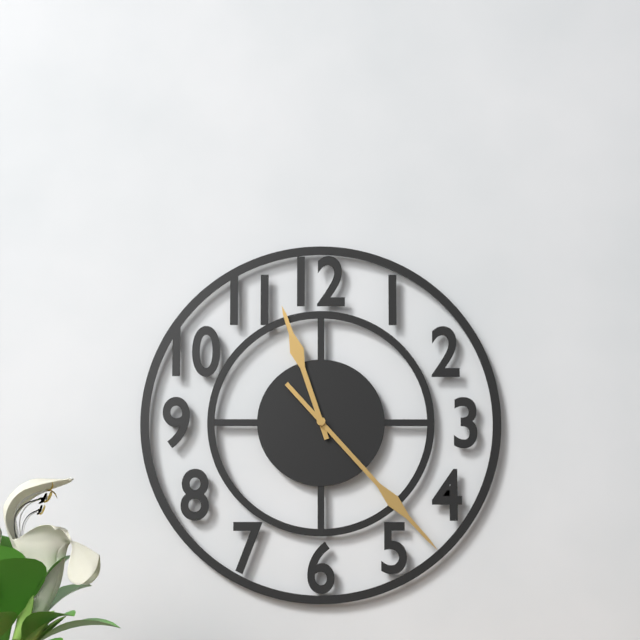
**11:23**
